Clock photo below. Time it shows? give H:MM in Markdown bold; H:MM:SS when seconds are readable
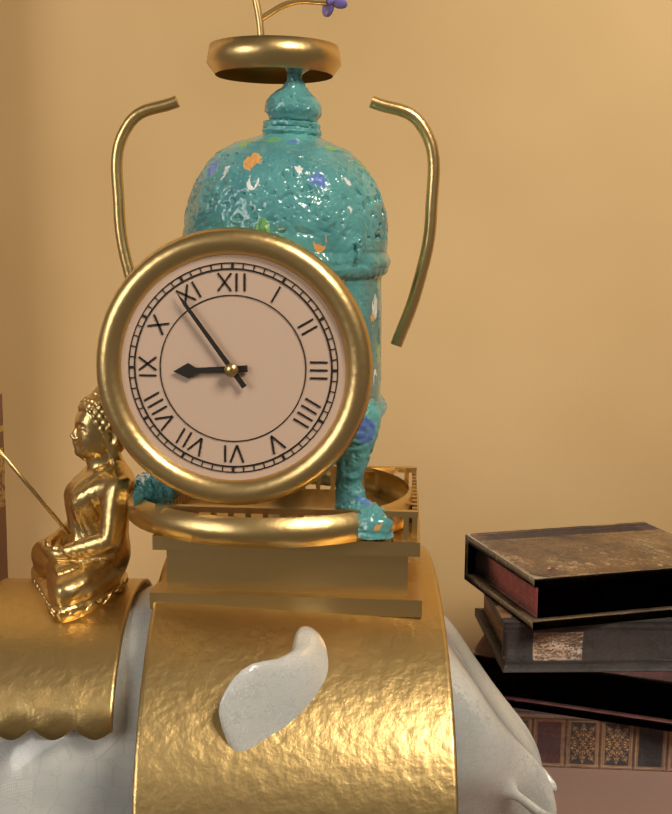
**8:54**
